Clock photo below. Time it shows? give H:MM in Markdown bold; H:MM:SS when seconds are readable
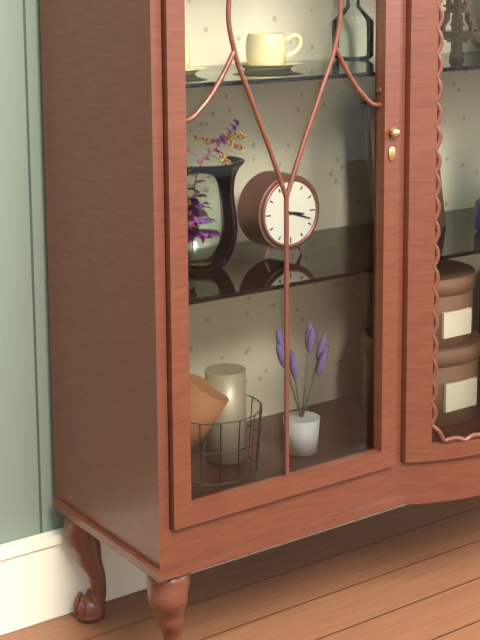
**3:18**
